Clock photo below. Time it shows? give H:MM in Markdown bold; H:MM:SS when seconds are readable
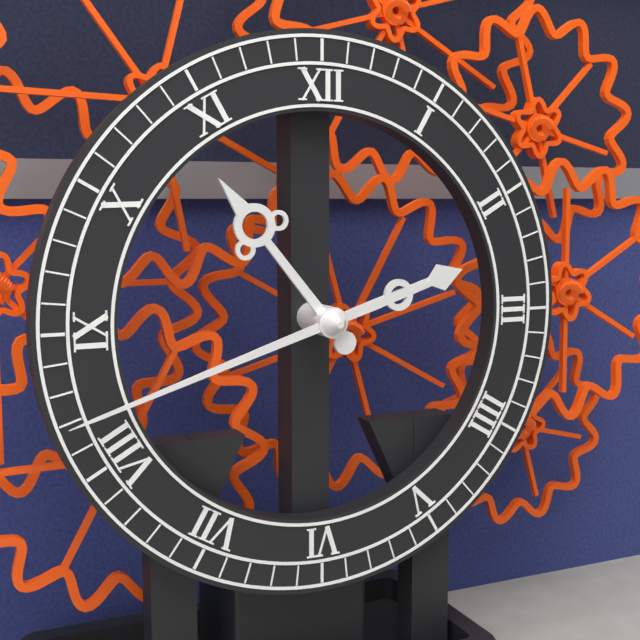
**10:42**
